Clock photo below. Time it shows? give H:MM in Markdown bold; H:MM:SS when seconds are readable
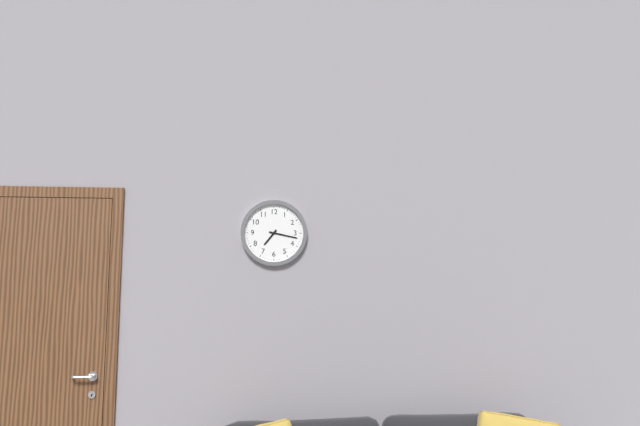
**7:17**
